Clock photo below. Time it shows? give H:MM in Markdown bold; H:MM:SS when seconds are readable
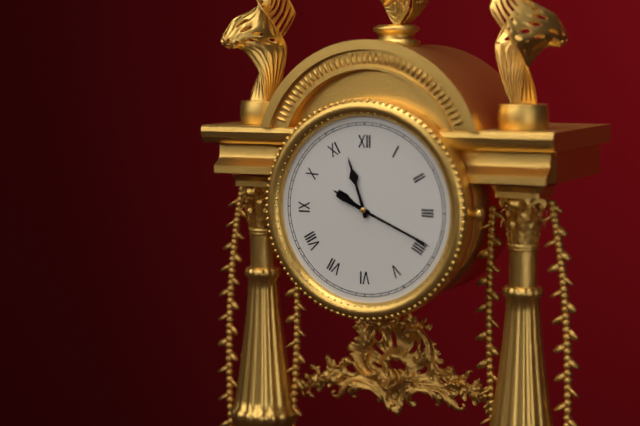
**9:57:19**
